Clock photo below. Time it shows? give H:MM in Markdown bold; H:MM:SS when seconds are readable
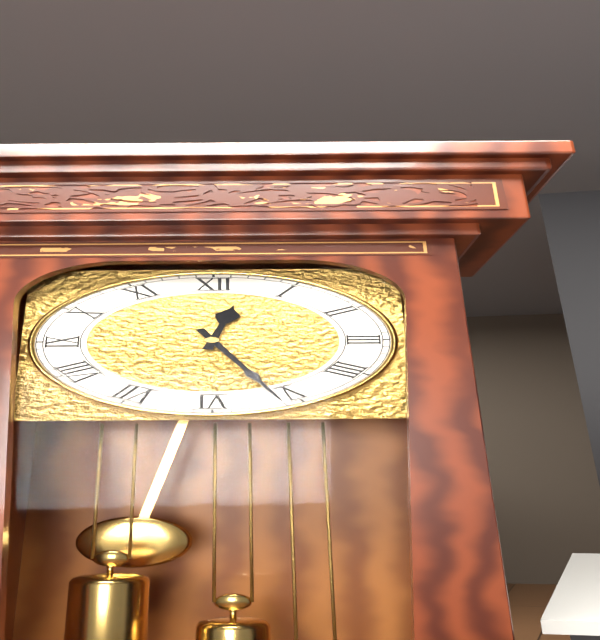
**12:26**
